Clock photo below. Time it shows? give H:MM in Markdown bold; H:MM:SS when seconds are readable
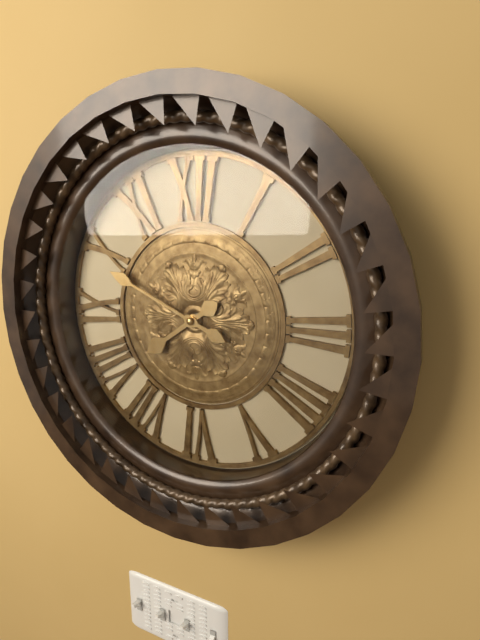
**7:49**
